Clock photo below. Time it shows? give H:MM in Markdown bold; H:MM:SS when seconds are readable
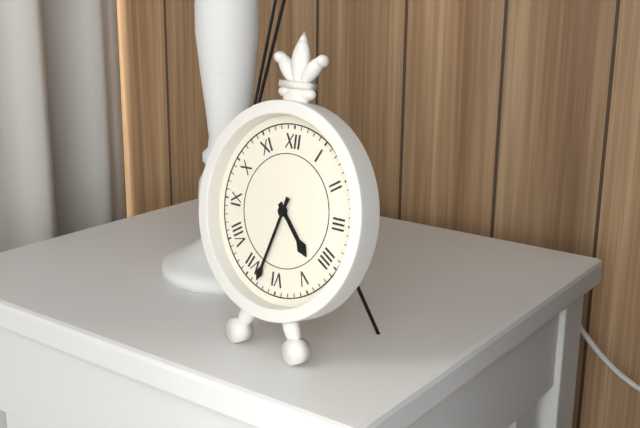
**4:33**
